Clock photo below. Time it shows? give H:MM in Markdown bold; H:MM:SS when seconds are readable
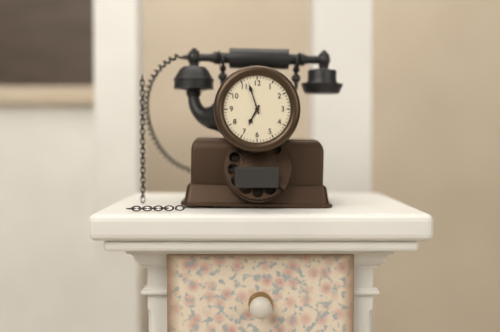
**6:57**
